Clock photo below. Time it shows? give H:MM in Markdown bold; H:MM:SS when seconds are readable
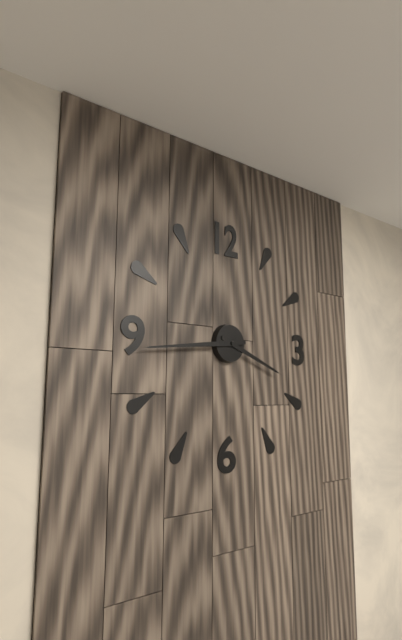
**3:44**
